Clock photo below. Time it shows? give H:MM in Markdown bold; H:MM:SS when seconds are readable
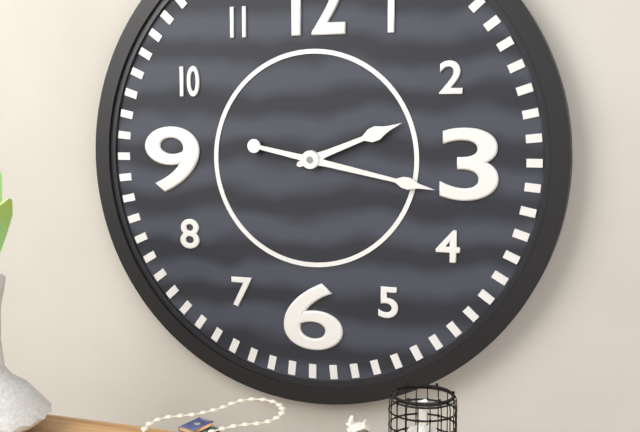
**2:17**
